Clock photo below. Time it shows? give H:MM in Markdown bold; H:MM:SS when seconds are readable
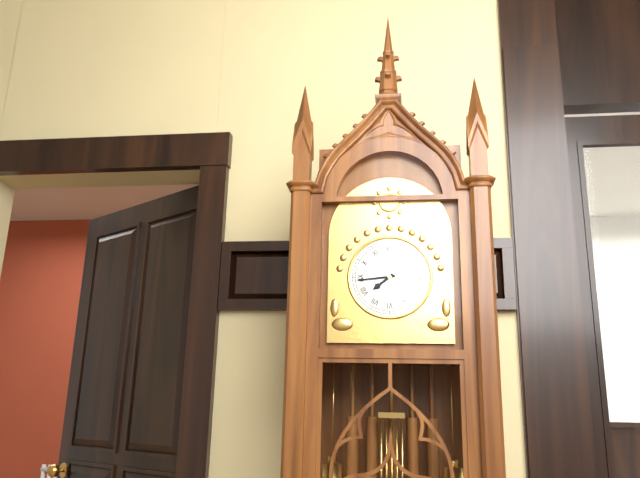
**7:44**
